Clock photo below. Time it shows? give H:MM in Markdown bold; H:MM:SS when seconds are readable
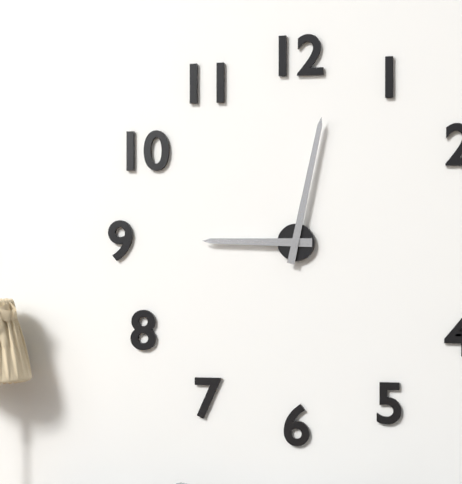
**9:02**
